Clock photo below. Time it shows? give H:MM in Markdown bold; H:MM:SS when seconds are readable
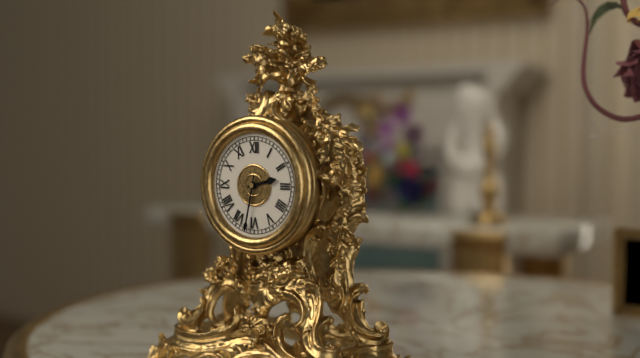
**2:32**
